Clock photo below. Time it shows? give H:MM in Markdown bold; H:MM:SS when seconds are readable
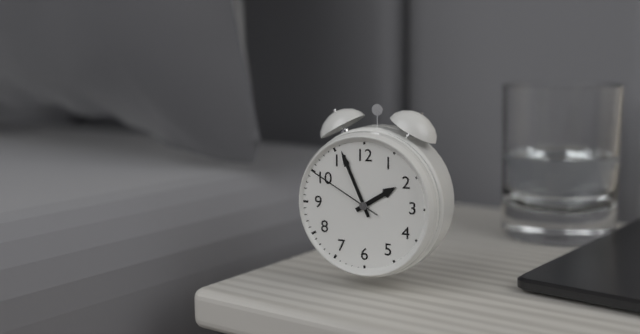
**1:56:50**
